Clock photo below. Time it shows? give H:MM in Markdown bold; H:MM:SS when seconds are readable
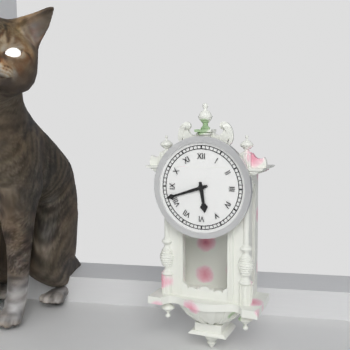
**5:42**
